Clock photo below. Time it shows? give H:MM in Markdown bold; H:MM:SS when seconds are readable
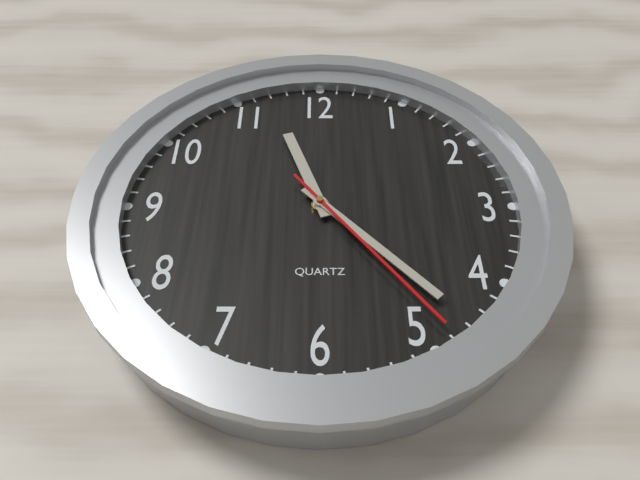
**11:23:24**
